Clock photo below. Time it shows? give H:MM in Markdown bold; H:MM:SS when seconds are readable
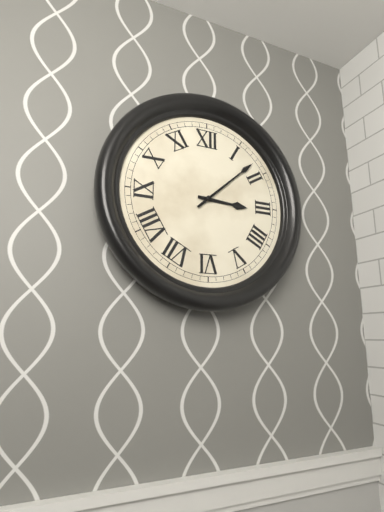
**3:08**
